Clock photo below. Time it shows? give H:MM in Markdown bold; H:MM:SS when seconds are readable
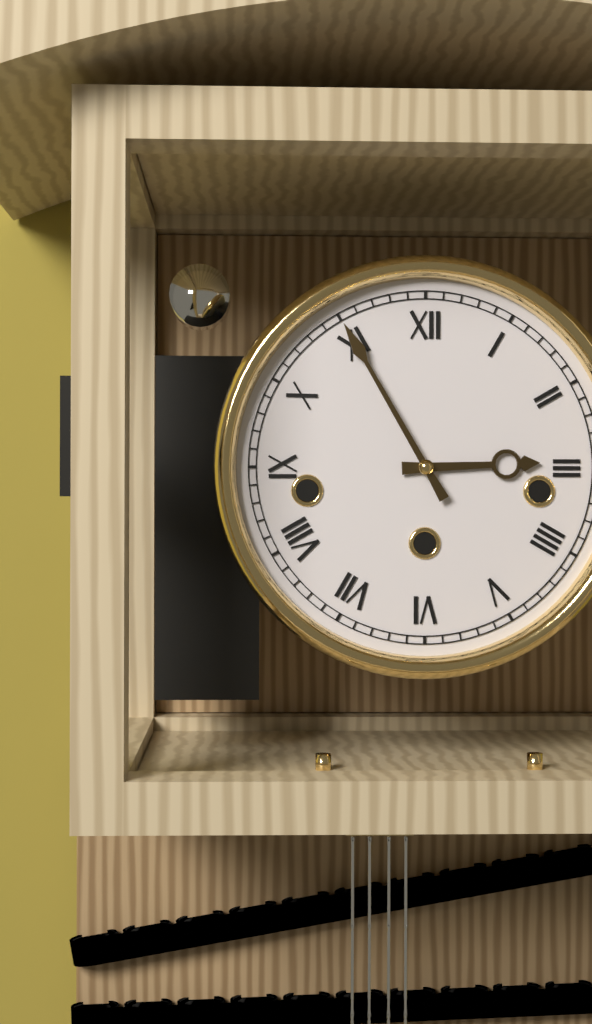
**2:55**
